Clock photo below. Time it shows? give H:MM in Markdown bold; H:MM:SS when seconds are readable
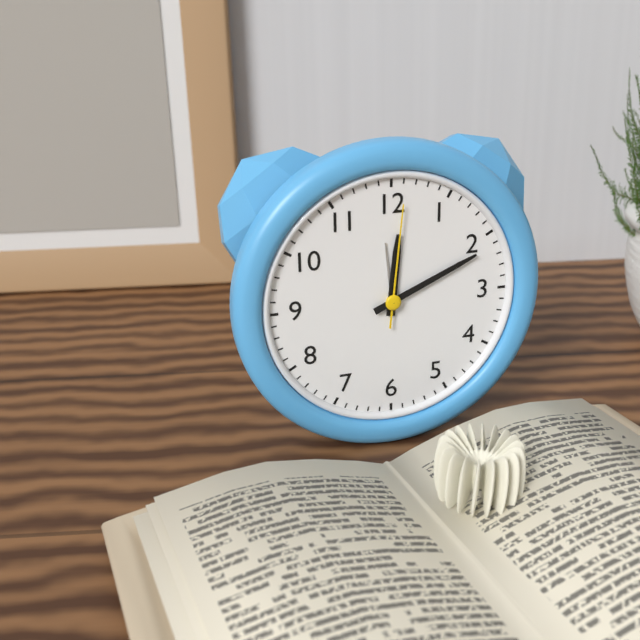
**12:11:01**
